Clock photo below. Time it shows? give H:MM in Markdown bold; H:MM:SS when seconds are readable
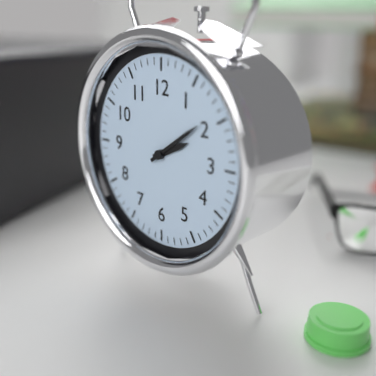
**2:09**
